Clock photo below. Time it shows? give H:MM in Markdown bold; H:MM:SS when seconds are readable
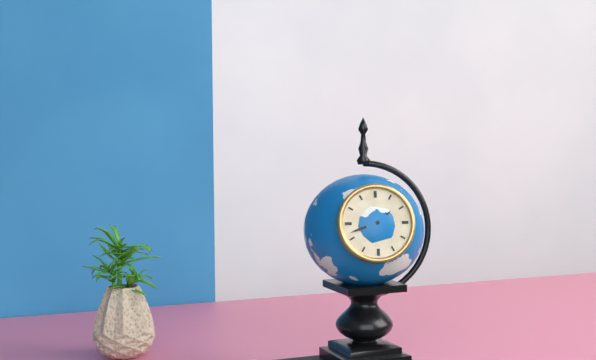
**1:42**
